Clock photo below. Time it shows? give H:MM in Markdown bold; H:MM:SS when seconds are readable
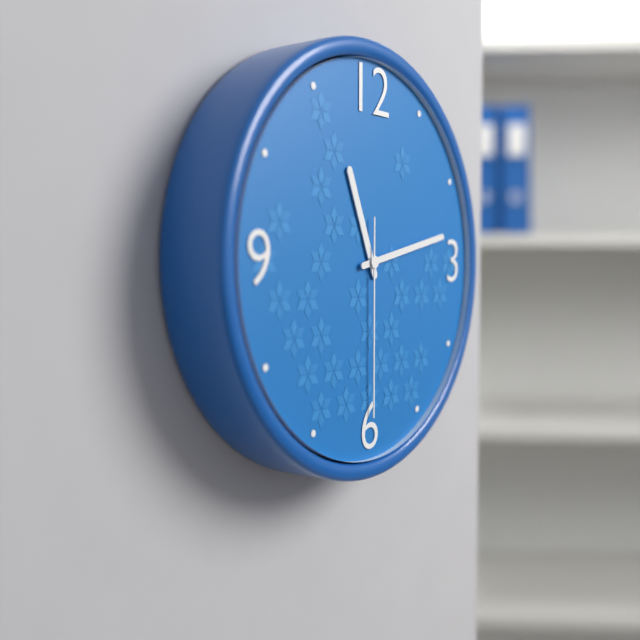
**11:13:30**
